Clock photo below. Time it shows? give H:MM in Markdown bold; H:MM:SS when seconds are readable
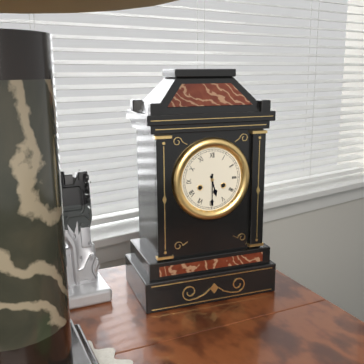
**5:30**
